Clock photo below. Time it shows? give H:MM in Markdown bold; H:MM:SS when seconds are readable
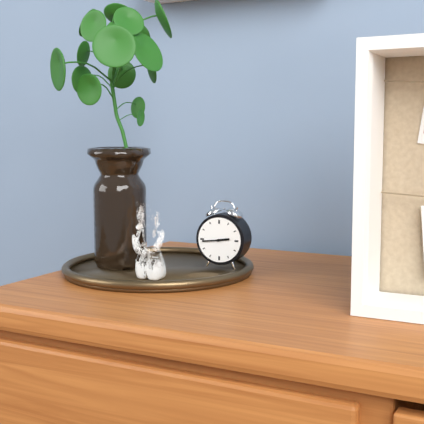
**2:44**
